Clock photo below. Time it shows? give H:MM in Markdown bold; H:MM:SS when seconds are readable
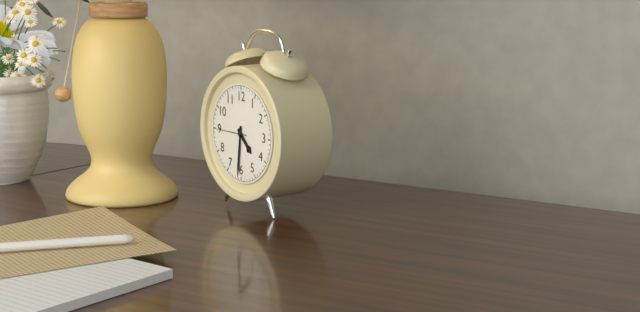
**4:31**
